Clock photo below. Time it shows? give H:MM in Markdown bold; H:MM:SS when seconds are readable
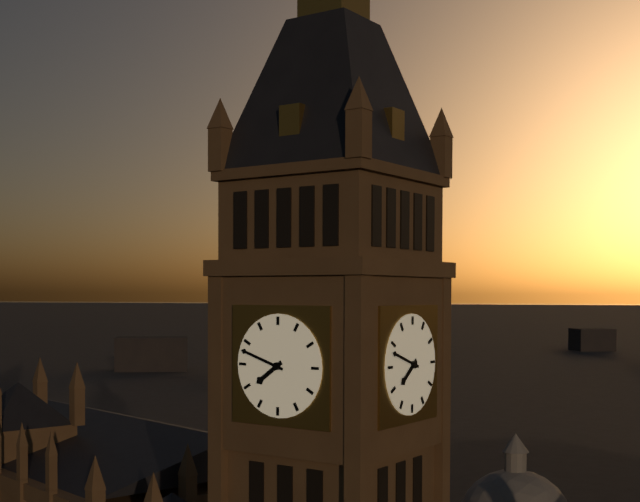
**7:48**
